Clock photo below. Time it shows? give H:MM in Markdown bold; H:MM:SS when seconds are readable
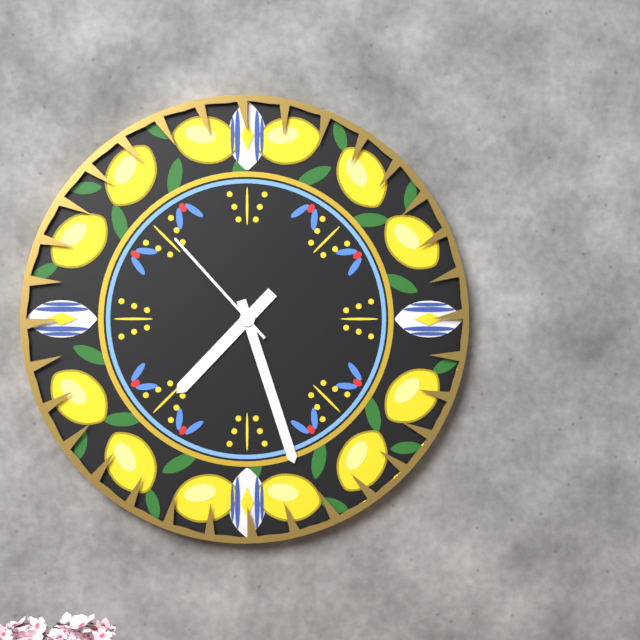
**7:27:53**
